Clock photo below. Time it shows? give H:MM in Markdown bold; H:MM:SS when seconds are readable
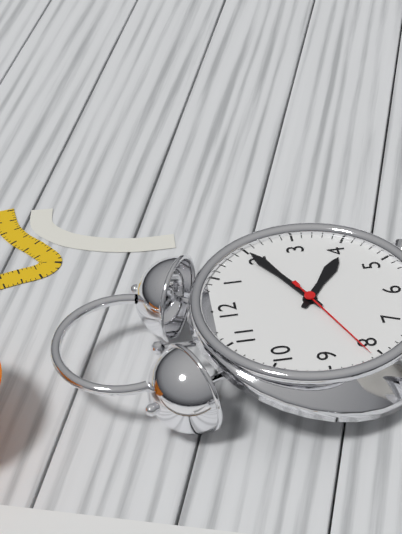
**4:10:41**
